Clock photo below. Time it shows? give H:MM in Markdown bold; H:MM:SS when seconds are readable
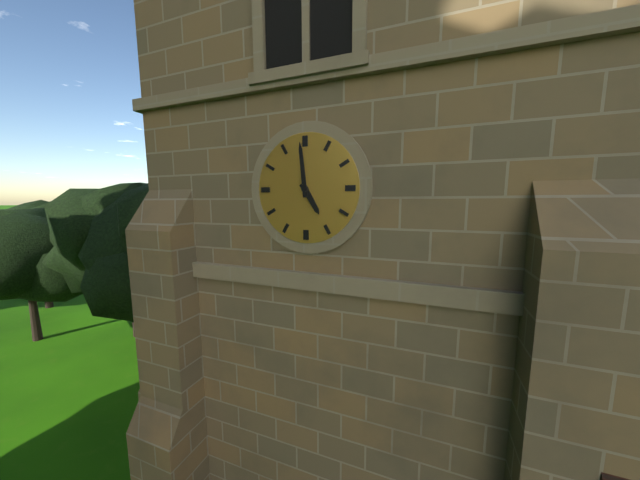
**4:59**
